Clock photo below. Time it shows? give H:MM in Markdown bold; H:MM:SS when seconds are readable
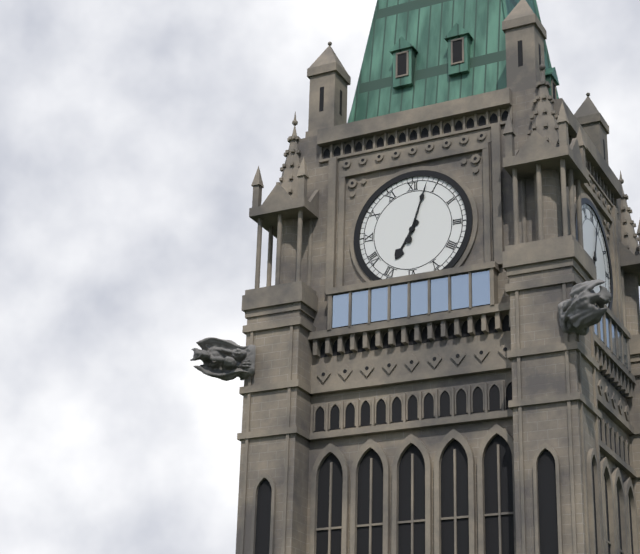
**7:03**
